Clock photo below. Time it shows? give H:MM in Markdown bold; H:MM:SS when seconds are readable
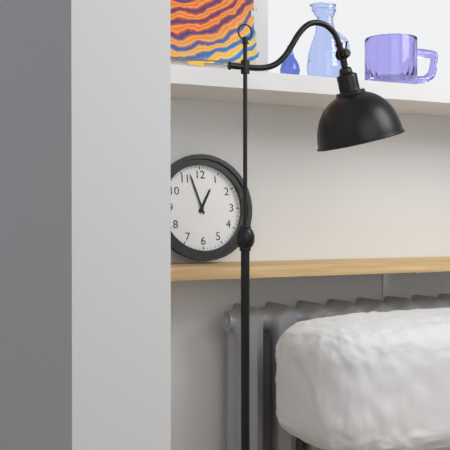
**12:57**
